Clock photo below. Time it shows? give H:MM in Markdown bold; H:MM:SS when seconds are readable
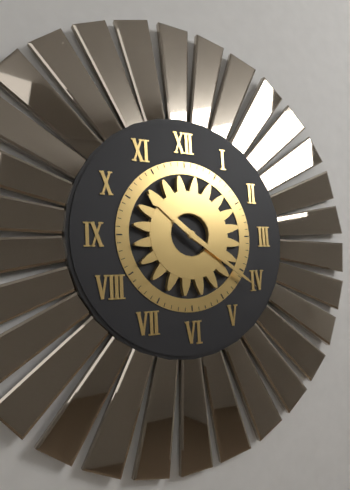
**10:21**
